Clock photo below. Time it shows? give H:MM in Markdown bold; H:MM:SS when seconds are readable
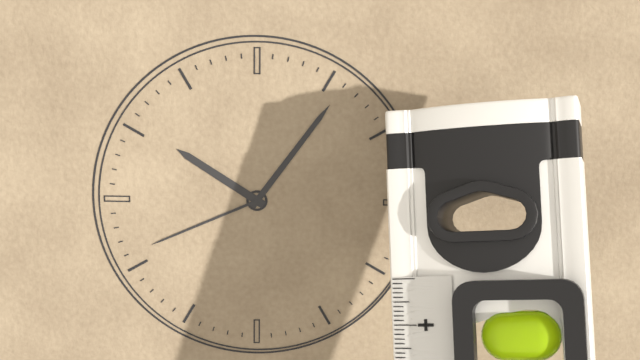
**10:06:41**
